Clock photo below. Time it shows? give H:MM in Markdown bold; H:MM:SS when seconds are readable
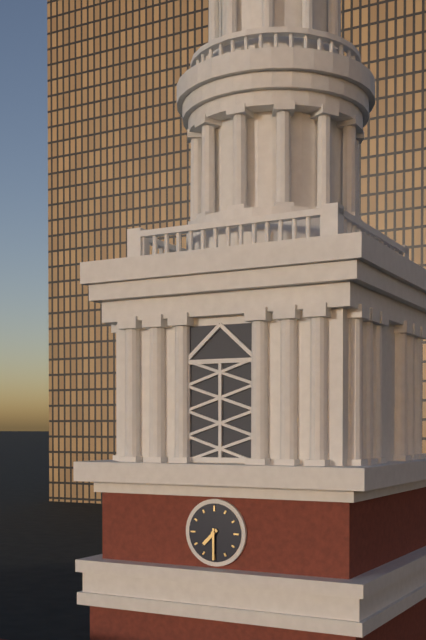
**7:30**
